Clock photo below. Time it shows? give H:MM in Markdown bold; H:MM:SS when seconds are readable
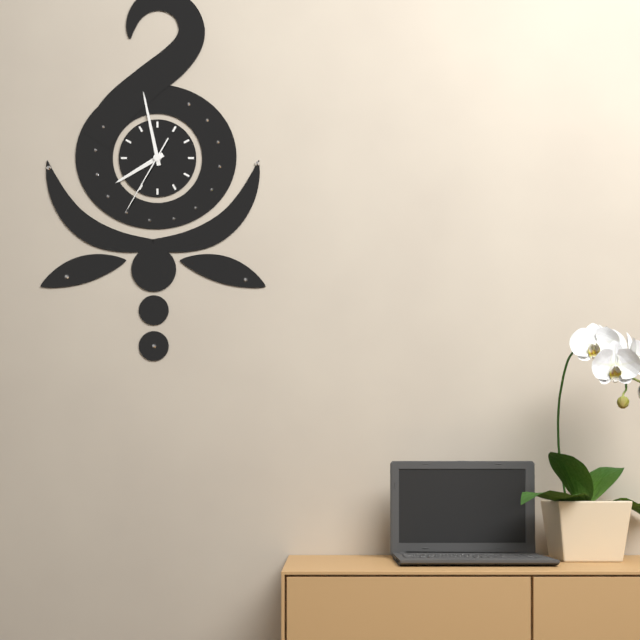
**7:58:35**
